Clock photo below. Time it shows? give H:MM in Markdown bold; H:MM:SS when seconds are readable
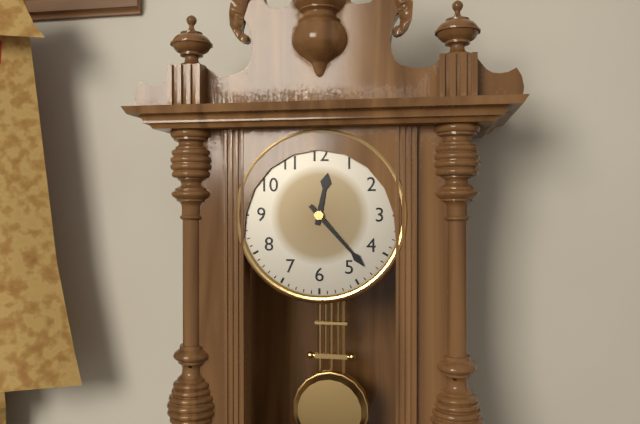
**12:23**
